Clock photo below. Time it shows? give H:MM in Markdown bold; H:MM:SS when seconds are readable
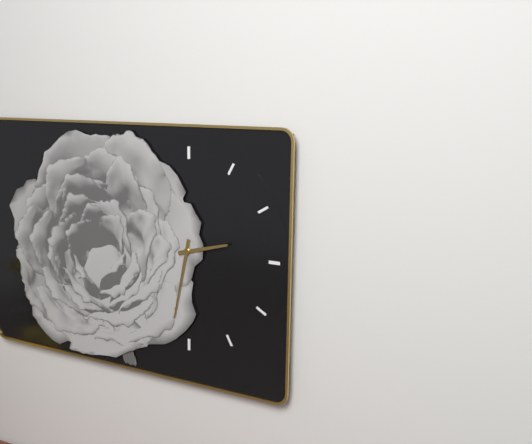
**2:32**
